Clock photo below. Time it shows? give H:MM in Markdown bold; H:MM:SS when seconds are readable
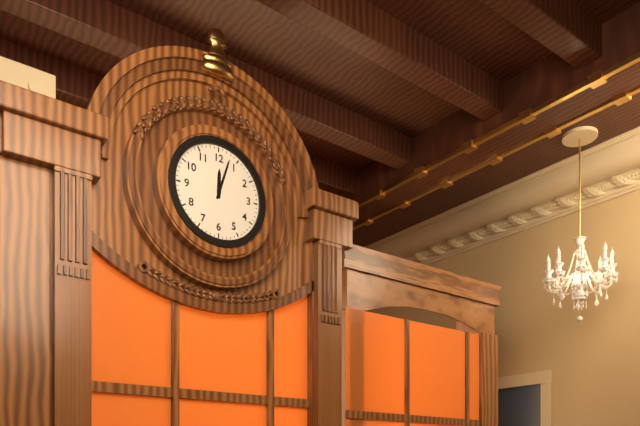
**12:03**
